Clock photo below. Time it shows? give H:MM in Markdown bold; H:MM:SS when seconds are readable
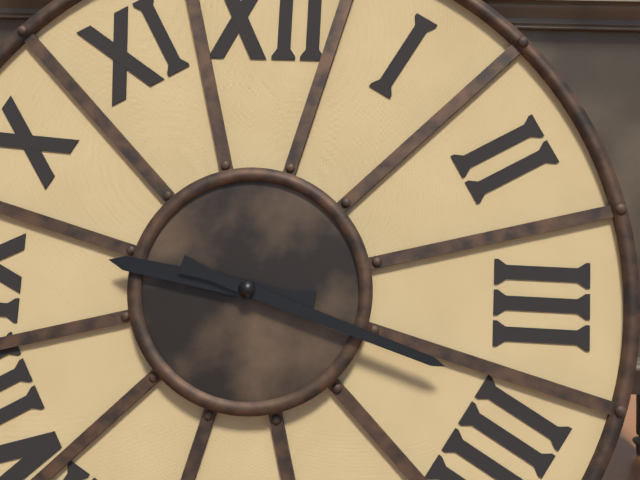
**9:18**
